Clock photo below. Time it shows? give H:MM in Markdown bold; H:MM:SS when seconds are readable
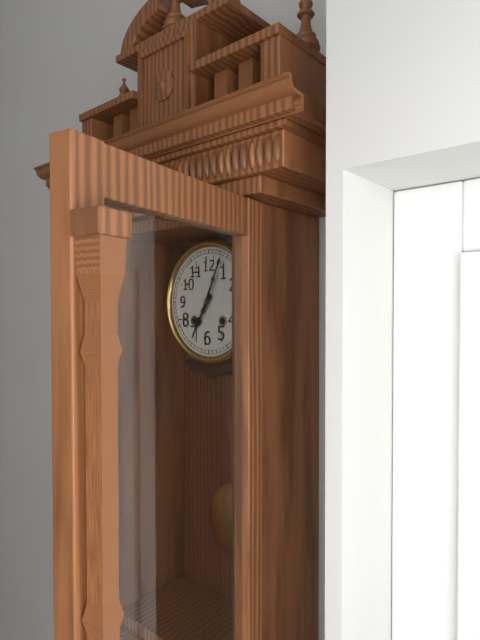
**7:04**
